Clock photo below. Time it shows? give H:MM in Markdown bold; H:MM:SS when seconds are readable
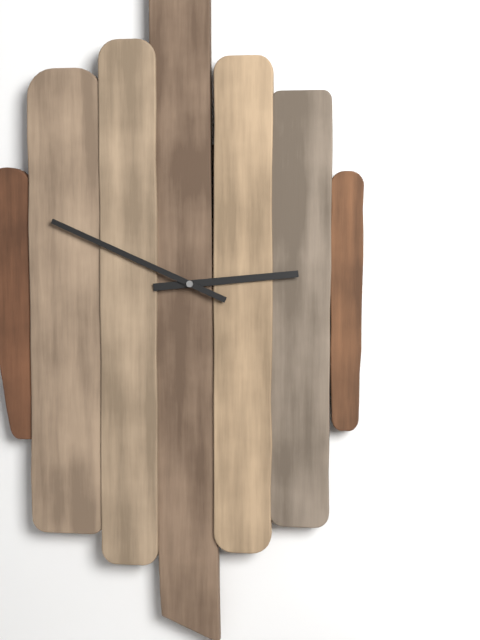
**2:49**
